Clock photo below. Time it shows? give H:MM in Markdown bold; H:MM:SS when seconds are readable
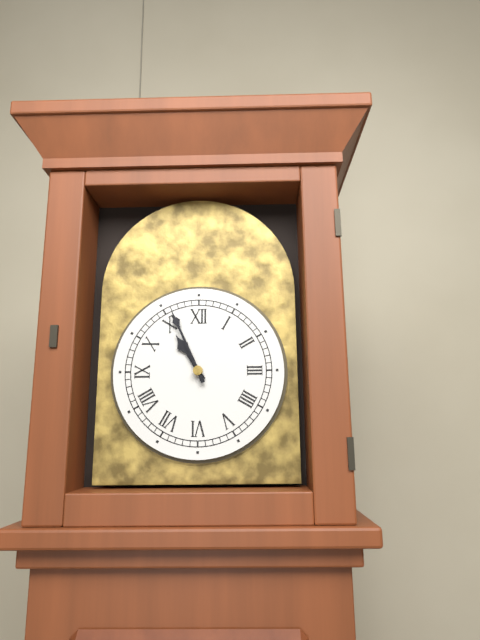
**10:56**
